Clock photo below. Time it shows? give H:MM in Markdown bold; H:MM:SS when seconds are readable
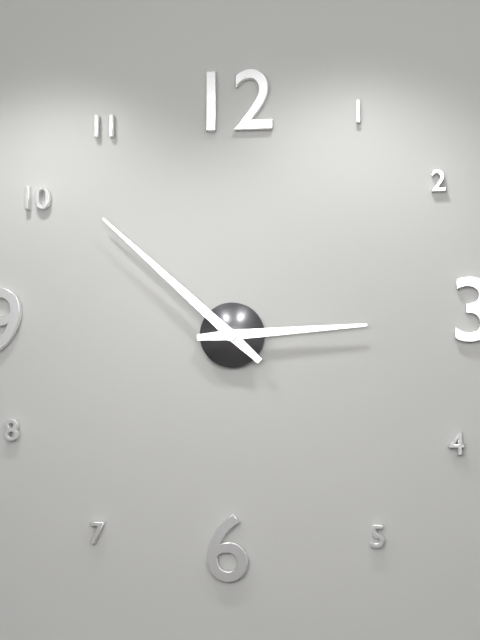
**2:52**
